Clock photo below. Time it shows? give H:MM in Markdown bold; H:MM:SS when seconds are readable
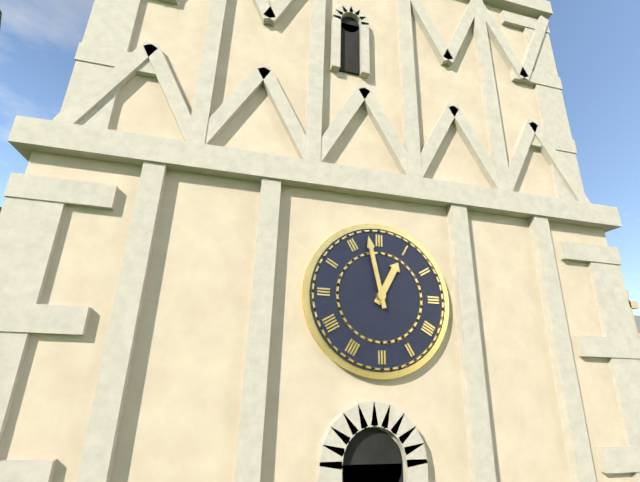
**12:58**
